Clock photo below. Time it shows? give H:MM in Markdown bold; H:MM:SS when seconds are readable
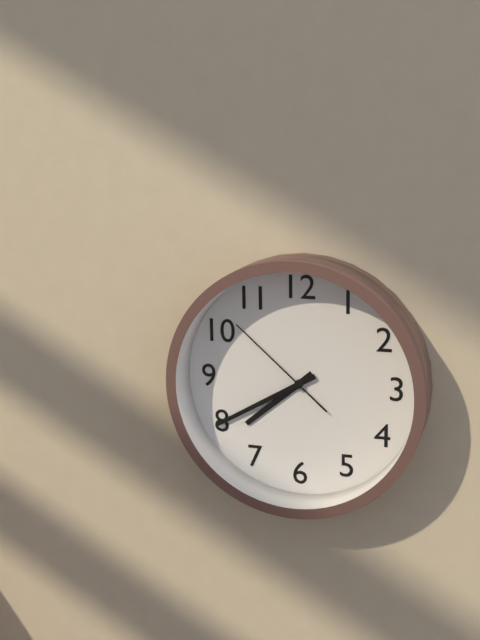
**7:40:52**
